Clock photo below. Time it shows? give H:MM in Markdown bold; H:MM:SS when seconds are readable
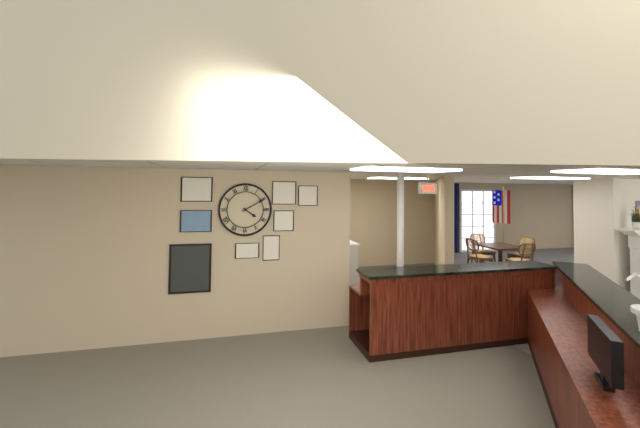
**4:10**
